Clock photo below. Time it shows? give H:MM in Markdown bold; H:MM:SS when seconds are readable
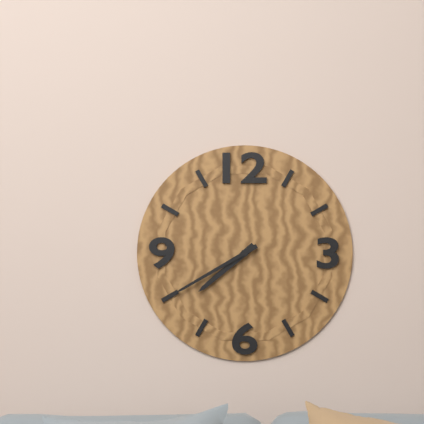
**7:40**
